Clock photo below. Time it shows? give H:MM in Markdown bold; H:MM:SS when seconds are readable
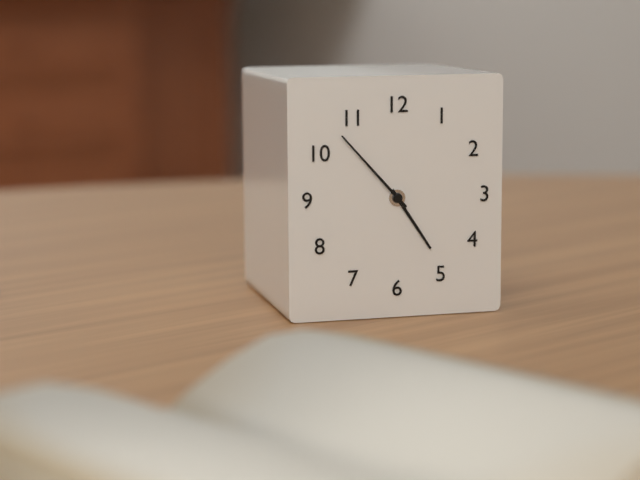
**4:53**
